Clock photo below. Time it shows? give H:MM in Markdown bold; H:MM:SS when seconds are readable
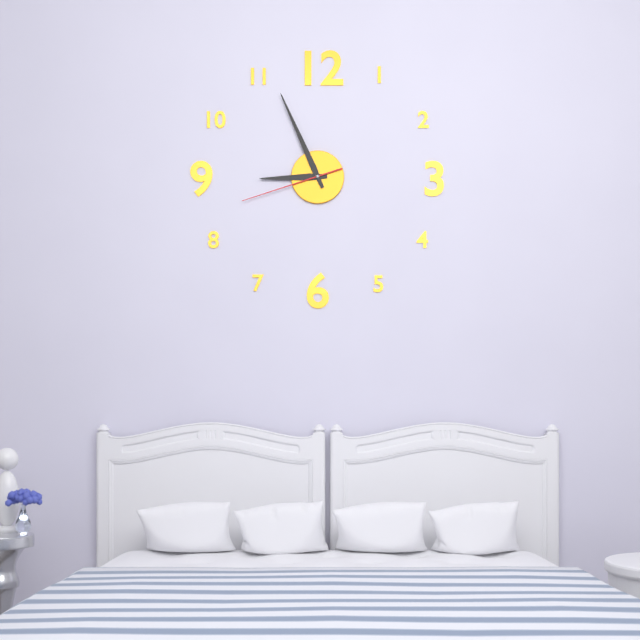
**8:56:42**
